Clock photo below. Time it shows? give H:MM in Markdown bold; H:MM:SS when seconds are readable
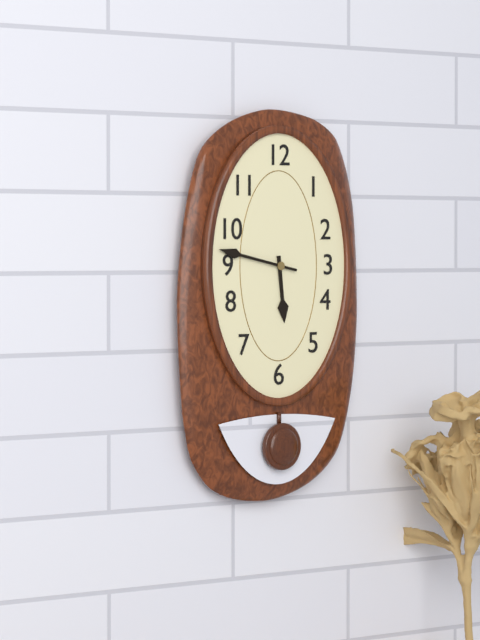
**5:47**
